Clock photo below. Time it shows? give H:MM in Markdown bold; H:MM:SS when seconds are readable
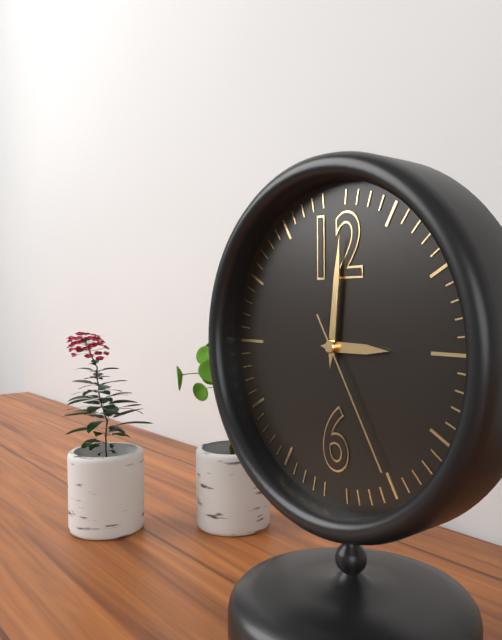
**3:01:25**
